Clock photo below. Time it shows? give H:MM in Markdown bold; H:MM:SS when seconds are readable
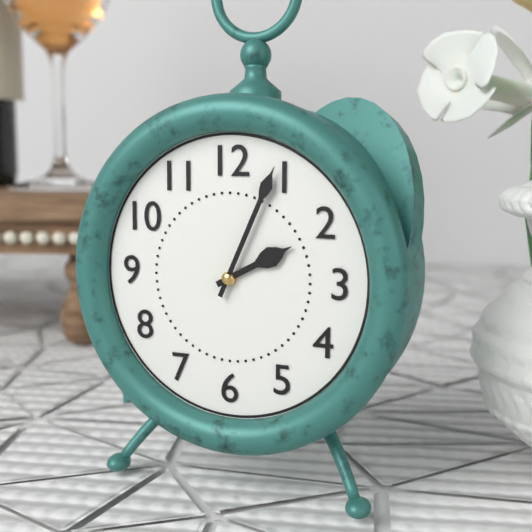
**2:04**
